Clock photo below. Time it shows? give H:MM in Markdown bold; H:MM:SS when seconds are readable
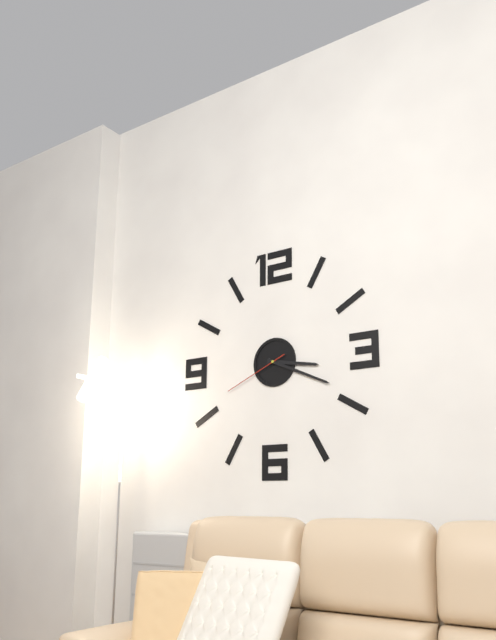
**3:19:41**
